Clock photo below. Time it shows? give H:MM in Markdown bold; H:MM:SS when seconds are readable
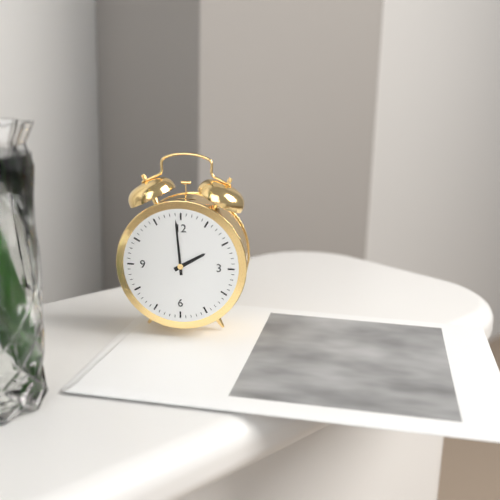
**1:59**
